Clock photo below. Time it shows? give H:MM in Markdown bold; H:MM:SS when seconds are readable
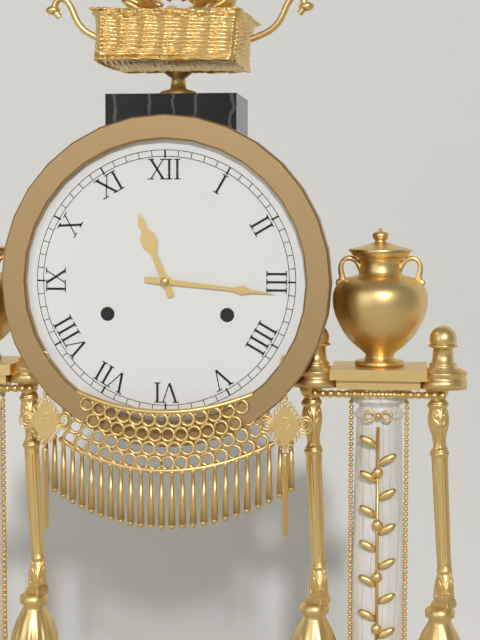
**11:16**
